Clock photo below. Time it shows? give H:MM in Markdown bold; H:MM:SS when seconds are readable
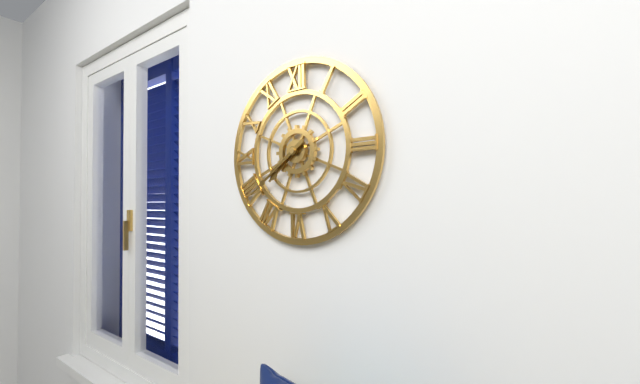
**7:39**
